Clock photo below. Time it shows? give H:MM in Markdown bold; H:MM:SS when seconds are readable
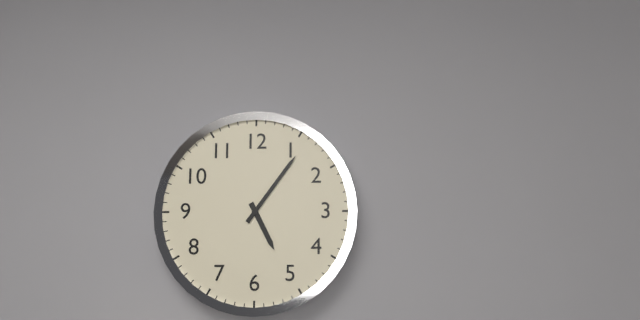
**5:06**
